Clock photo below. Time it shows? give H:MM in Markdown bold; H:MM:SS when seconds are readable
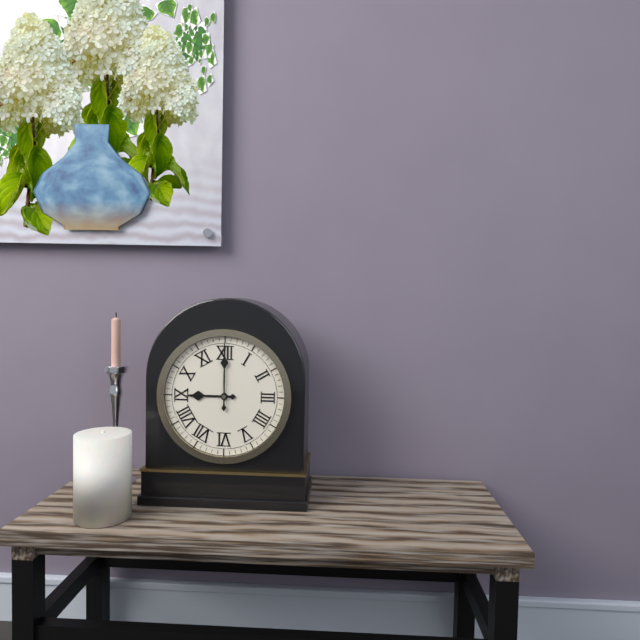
**9:00**
